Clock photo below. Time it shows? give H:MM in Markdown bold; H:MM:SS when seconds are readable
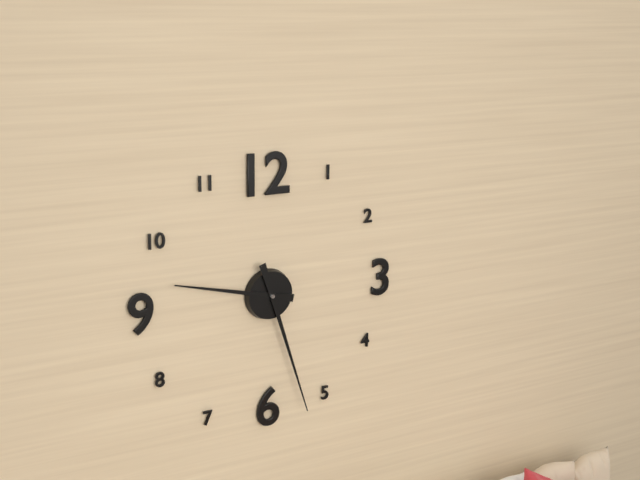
**9:27**
